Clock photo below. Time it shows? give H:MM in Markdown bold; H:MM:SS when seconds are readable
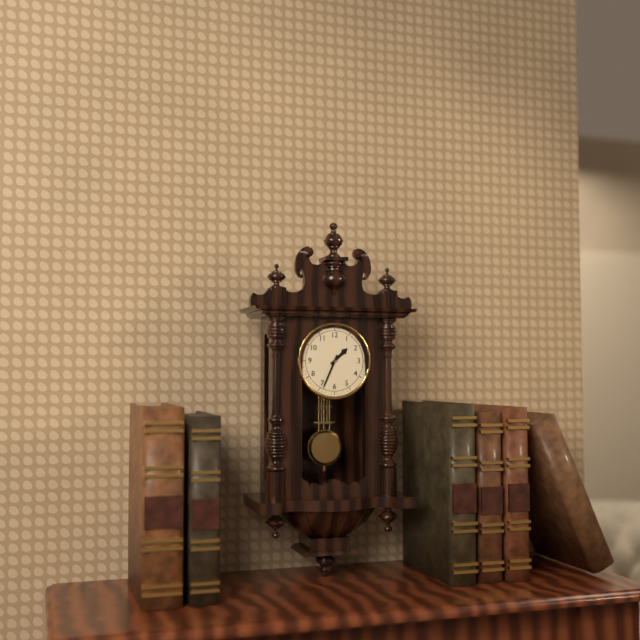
**1:34**
